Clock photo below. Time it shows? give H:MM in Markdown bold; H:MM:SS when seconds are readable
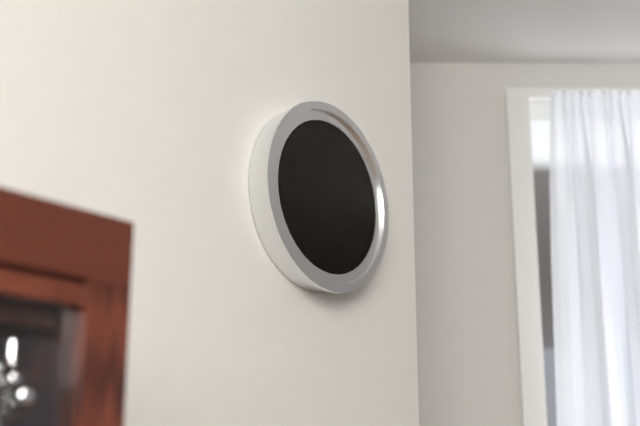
**3:17**
